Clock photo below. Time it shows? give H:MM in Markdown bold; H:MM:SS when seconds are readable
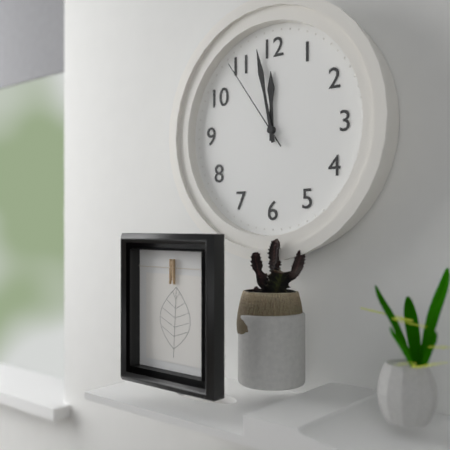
**11:58:54**
